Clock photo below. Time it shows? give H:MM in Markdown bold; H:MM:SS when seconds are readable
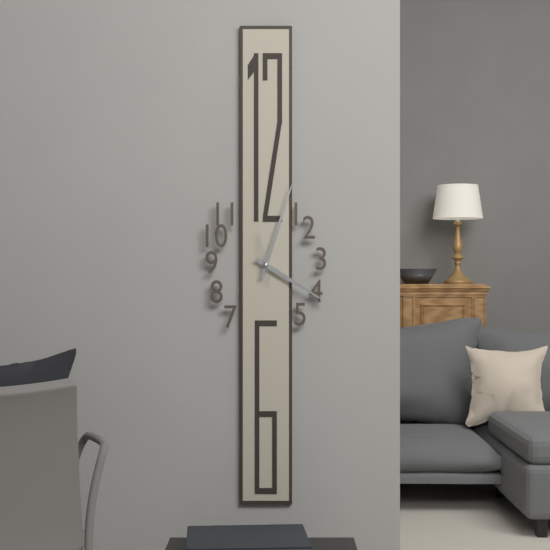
**4:03**
